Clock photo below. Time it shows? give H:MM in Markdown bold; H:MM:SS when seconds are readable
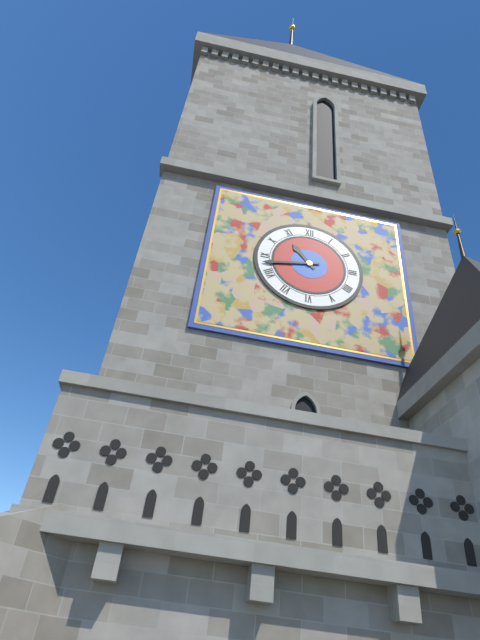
**10:43**
